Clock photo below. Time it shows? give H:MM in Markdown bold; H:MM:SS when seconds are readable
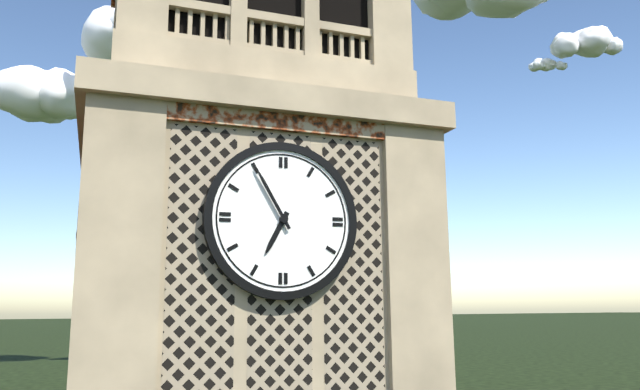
**6:55**
